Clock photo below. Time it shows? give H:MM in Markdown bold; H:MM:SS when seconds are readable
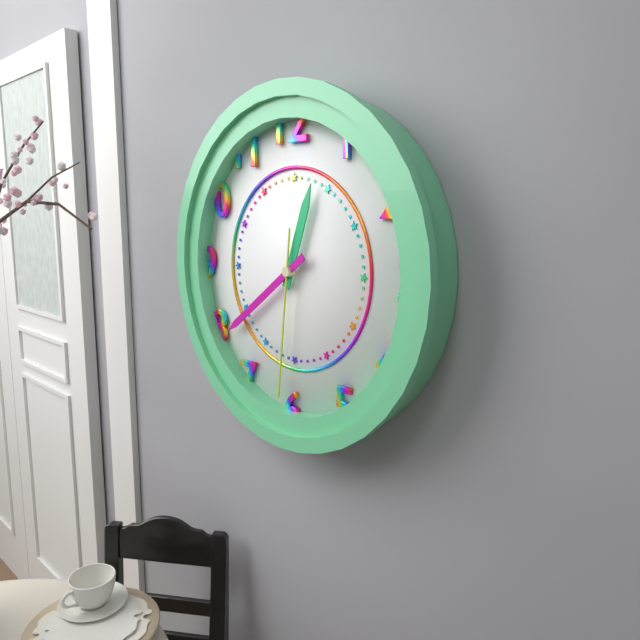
**12:39:31**
